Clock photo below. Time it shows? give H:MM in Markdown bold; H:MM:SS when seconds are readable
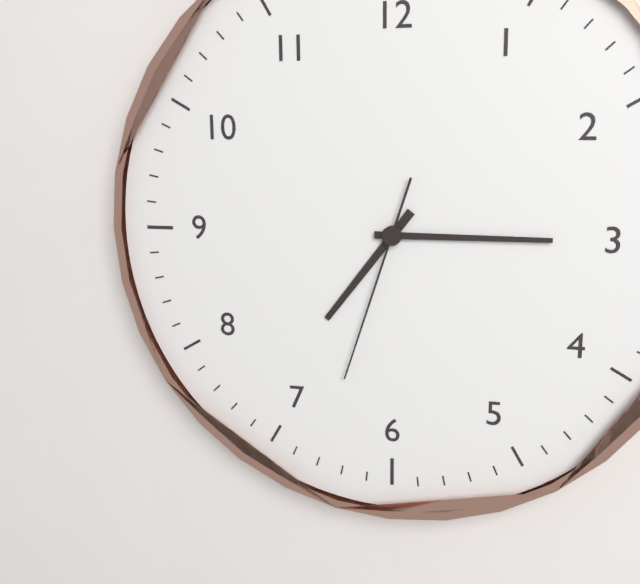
**7:15:33**
